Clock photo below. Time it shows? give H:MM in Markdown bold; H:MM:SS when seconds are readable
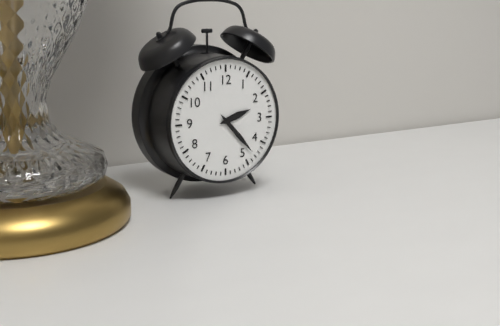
**2:23**
